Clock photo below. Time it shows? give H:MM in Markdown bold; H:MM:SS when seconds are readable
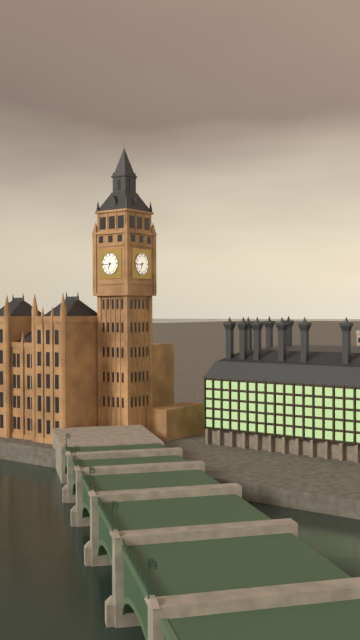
**6:44**
